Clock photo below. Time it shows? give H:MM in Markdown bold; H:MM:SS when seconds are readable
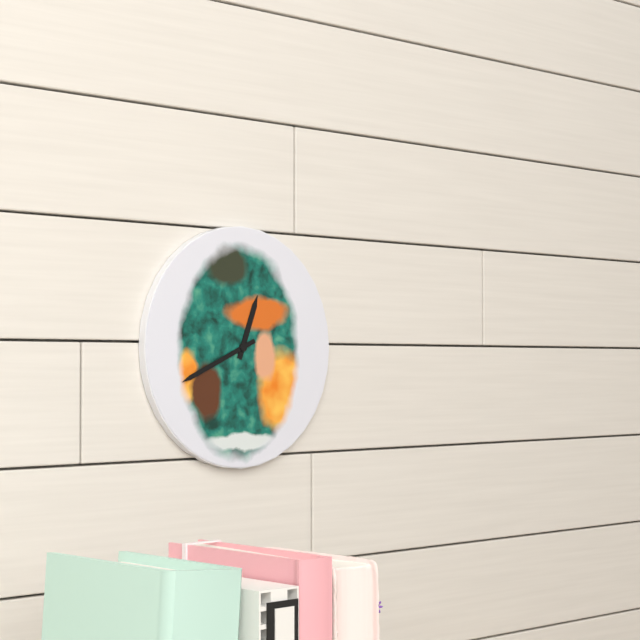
**12:41**
